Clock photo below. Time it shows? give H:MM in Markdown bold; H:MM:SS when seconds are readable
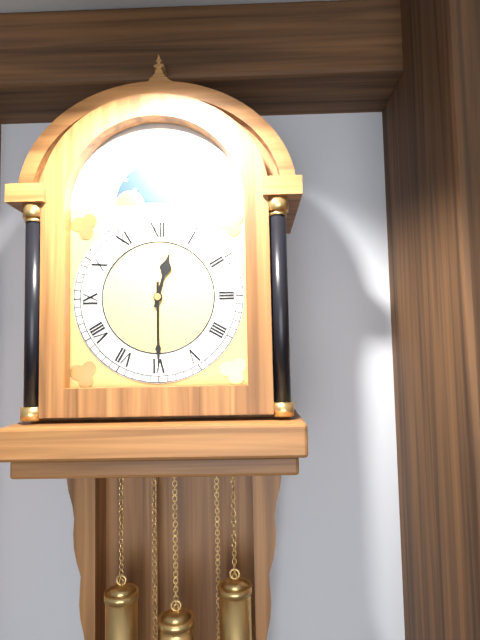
**12:30**
